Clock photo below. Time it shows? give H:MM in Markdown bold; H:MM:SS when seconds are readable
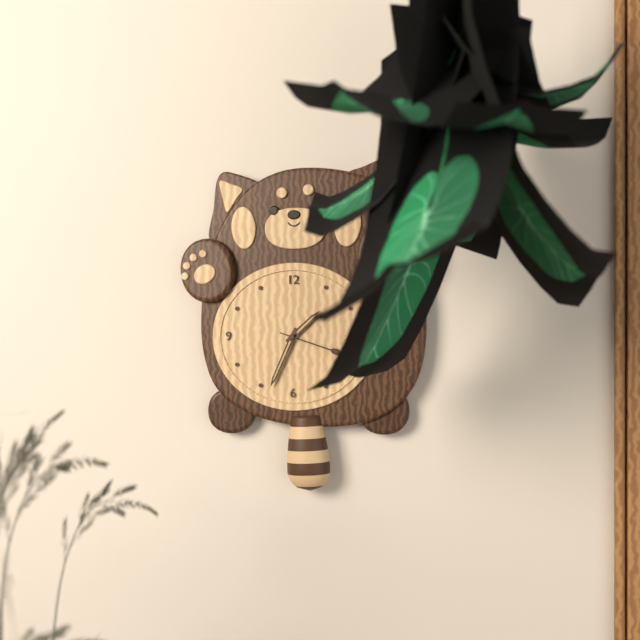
**1:34:18**
